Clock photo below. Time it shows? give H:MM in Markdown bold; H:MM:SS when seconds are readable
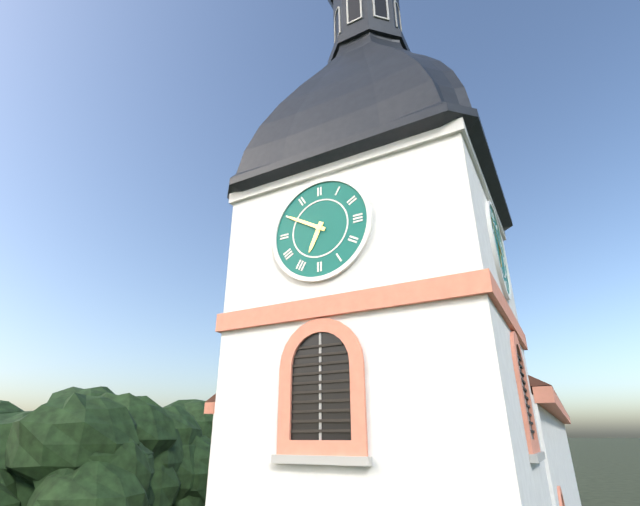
**6:50**
